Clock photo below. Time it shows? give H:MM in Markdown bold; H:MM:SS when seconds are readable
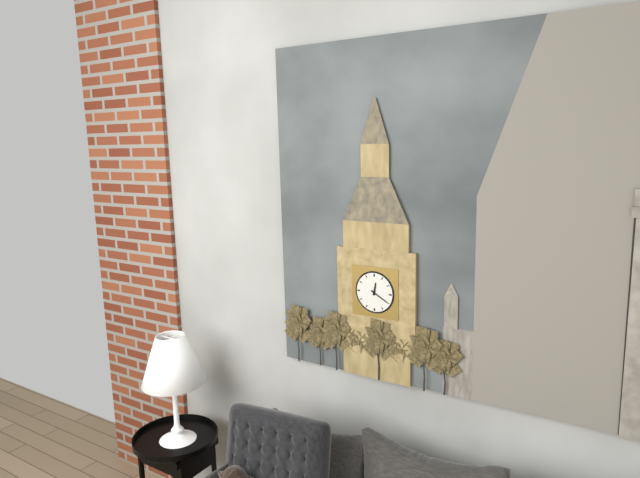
**12:20**
